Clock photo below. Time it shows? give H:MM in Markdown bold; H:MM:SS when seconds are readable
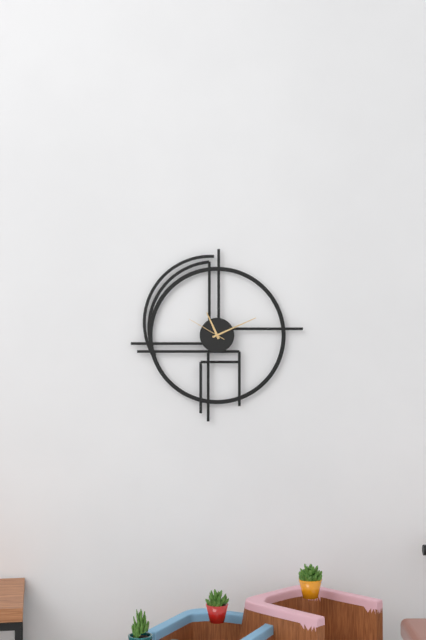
**11:11**
